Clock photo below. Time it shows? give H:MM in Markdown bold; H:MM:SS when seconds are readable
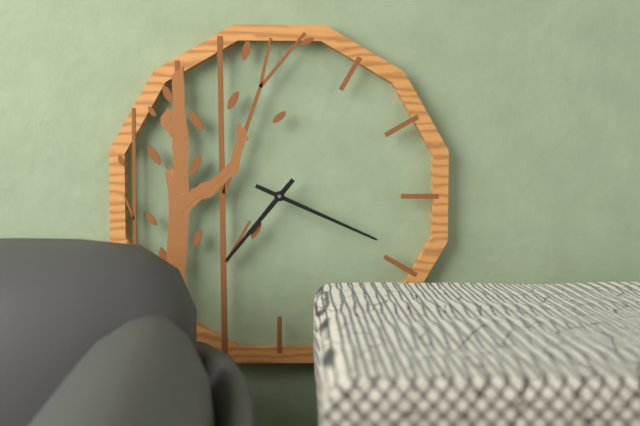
**7:19**
